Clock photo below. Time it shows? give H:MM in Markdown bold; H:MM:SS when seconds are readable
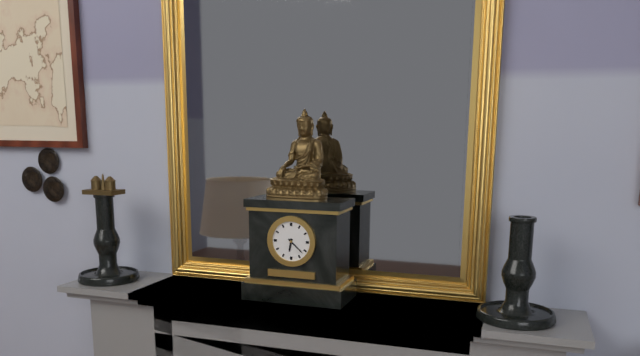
**6:22**
